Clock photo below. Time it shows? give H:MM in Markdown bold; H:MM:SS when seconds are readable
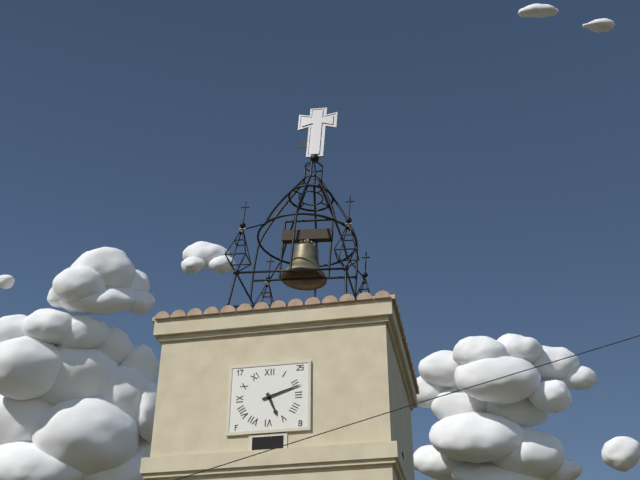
**5:12**
